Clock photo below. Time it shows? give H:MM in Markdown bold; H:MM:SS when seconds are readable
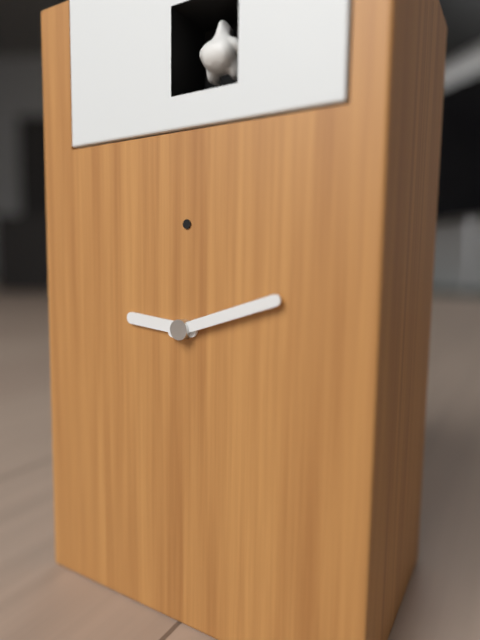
**9:12**
